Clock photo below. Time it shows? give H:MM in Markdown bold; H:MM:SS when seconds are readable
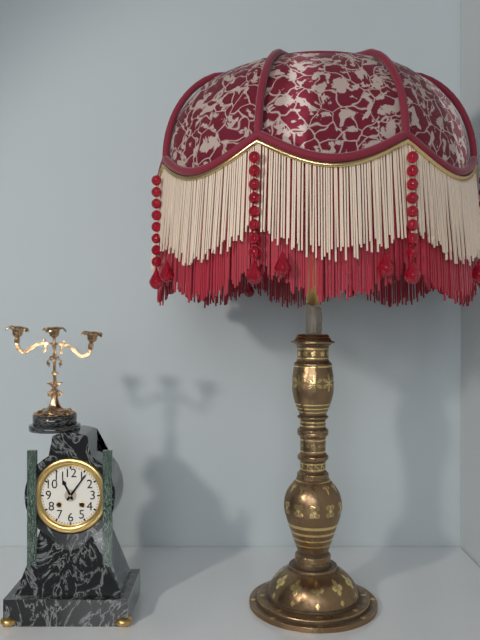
**11:06**
